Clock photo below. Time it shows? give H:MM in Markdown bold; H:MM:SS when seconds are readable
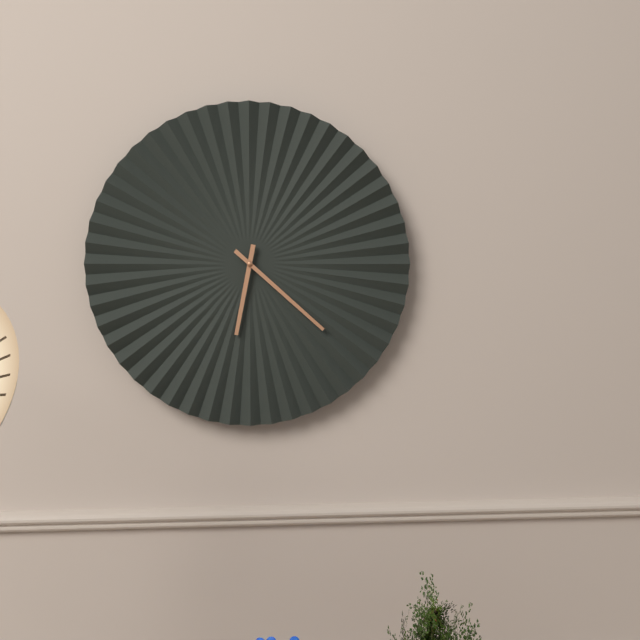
**6:22**
